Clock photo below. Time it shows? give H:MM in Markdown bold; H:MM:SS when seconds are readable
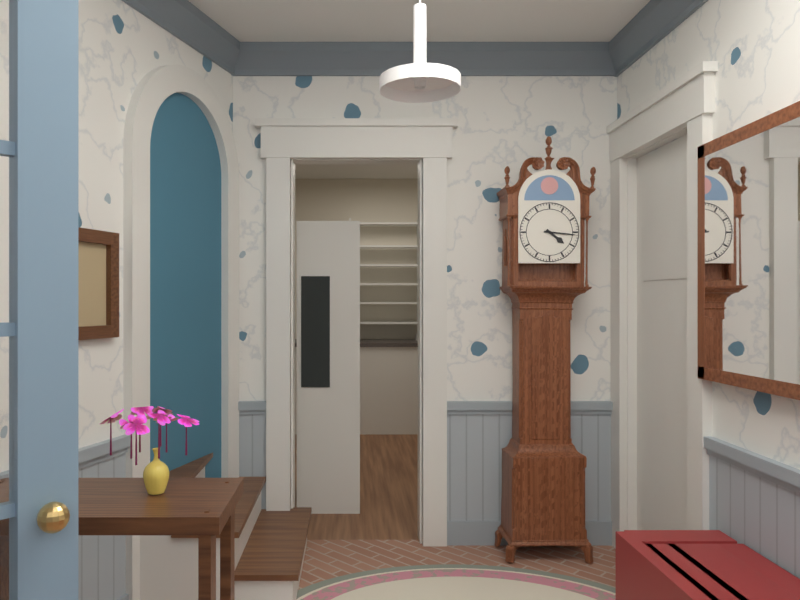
**4:16**
